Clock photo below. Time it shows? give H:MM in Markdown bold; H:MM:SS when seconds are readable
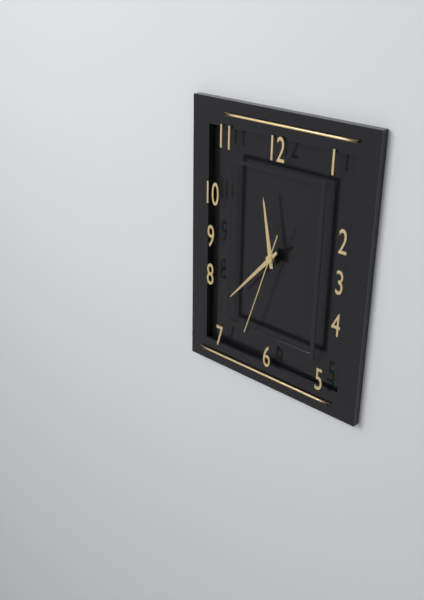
**11:37:33**
